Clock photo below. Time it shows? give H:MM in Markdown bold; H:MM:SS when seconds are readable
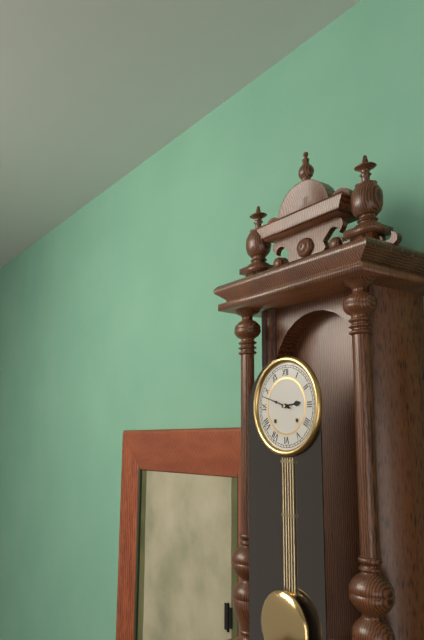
**2:48**
